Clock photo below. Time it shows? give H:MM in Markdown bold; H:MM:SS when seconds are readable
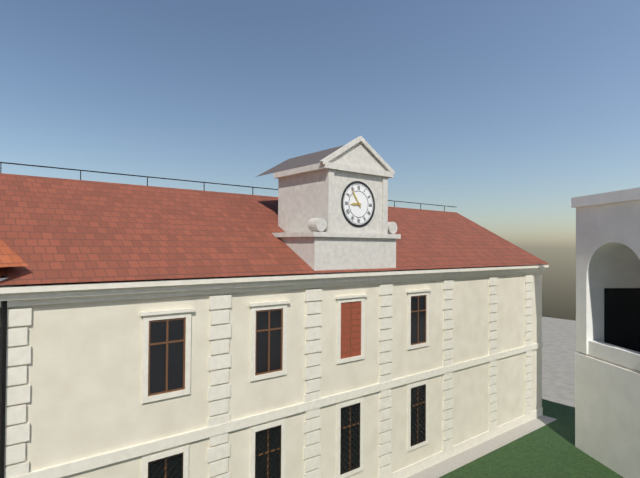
**8:54**
